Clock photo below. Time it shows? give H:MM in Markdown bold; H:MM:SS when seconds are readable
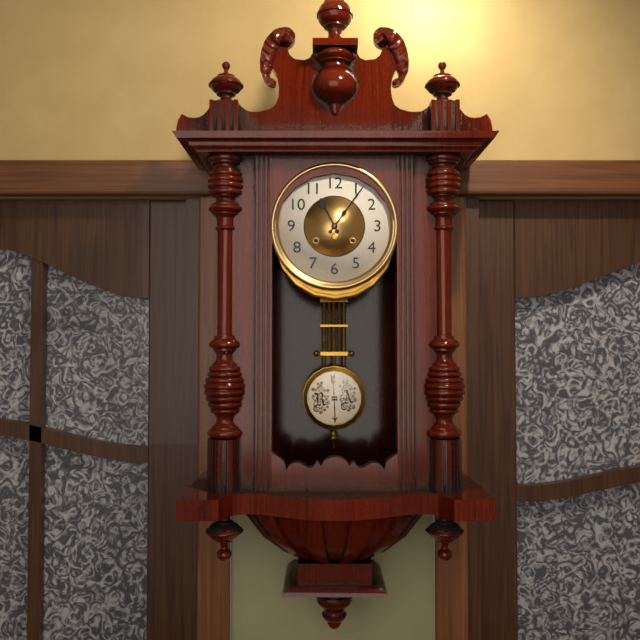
**11:06**
